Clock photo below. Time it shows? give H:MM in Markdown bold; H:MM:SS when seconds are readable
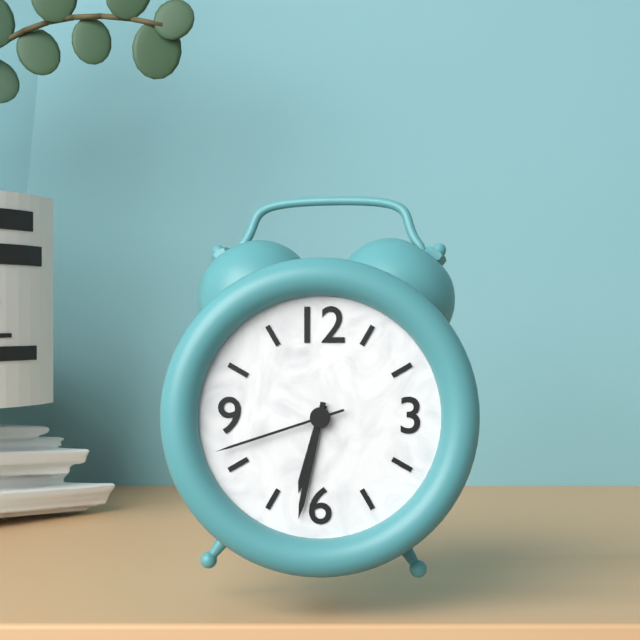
**6:32:42**
